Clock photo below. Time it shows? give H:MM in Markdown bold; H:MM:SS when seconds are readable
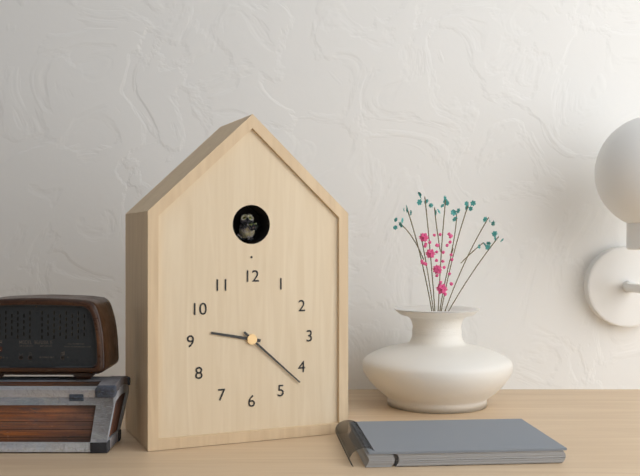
**9:22**
